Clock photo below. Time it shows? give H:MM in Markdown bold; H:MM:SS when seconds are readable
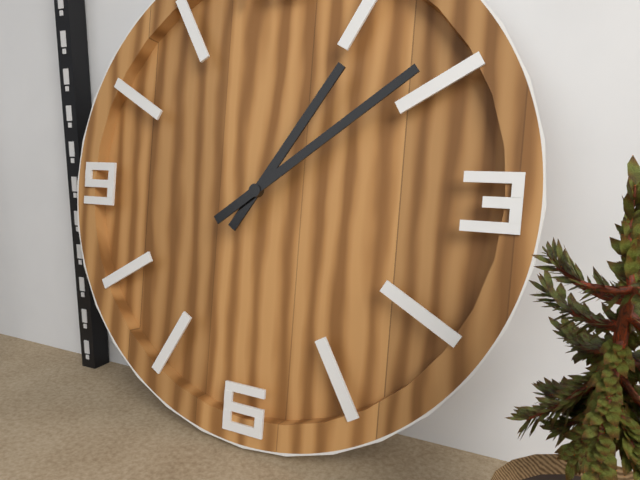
**1:09**
